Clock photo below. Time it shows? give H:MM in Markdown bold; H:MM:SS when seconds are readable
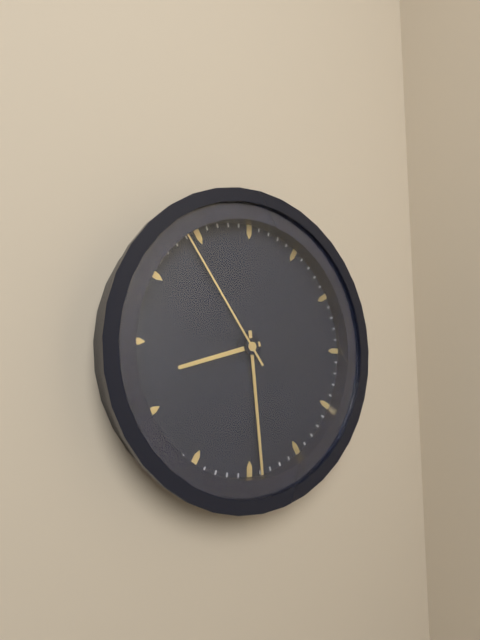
**8:29:54**
